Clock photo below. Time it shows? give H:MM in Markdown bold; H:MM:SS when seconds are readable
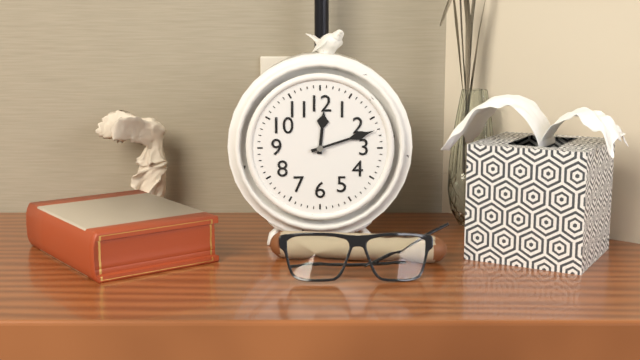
**12:12**
